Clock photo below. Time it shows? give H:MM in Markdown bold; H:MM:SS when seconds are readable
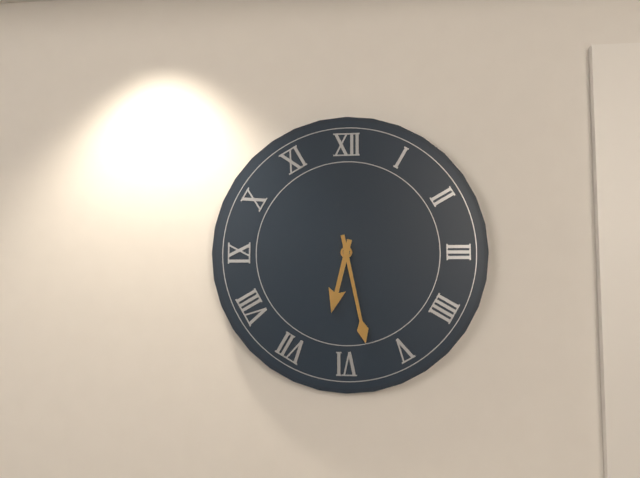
**6:28**
